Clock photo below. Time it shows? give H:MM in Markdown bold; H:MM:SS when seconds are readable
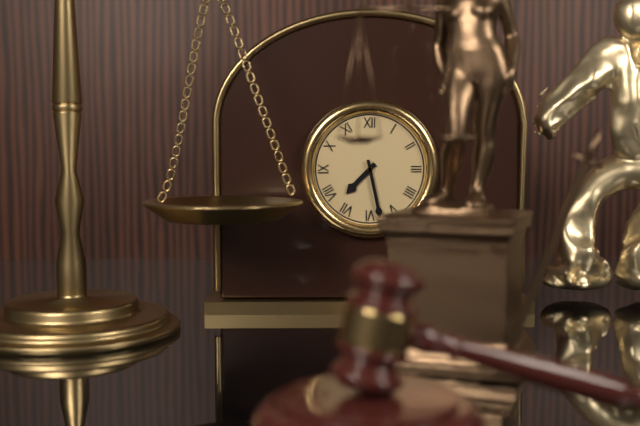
**7:28**
